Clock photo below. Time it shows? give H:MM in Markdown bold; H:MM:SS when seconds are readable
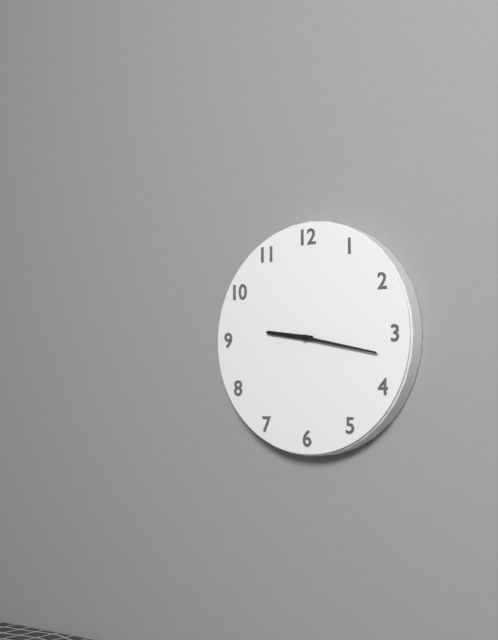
**9:17**
